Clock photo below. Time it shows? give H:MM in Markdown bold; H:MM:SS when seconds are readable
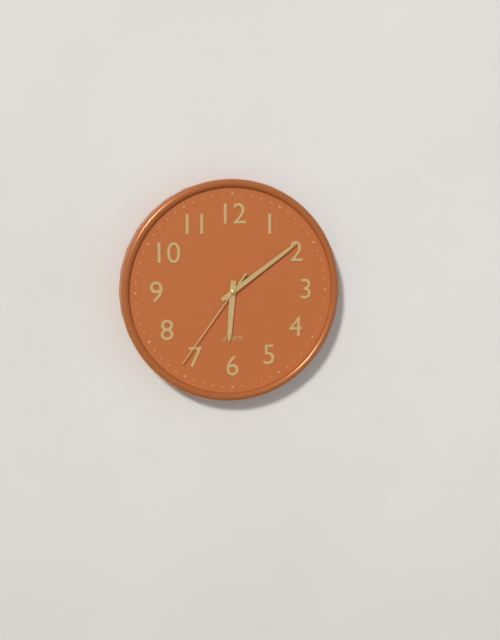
**6:09:36**
